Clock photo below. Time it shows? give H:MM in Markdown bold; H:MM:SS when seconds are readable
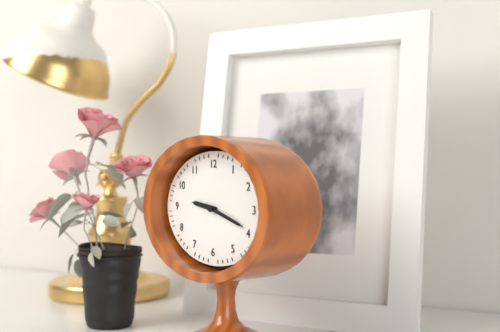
**9:18**
